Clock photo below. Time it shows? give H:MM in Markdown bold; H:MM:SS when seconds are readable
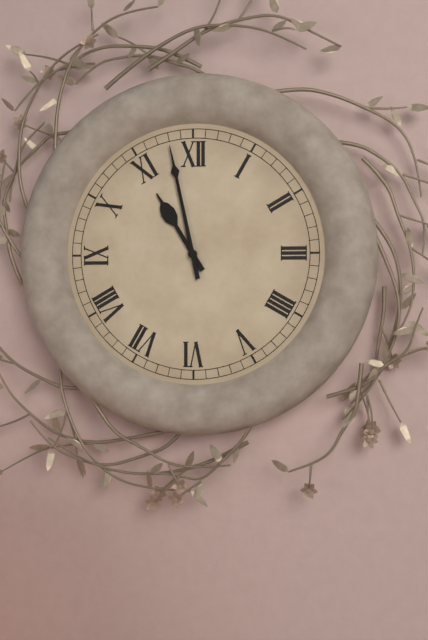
**10:58**
